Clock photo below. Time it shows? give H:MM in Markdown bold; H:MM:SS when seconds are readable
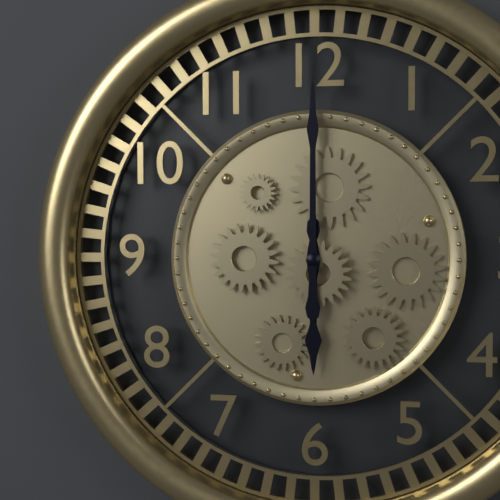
**6:00**
